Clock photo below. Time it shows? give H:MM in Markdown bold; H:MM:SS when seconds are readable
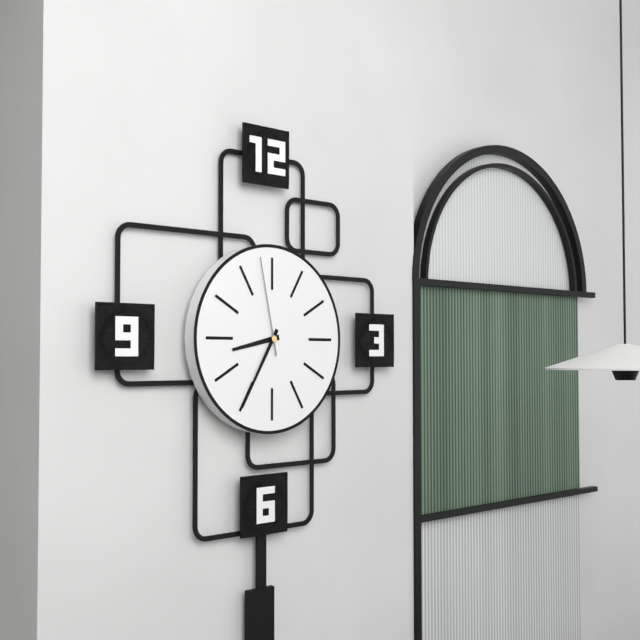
**8:35:58**
